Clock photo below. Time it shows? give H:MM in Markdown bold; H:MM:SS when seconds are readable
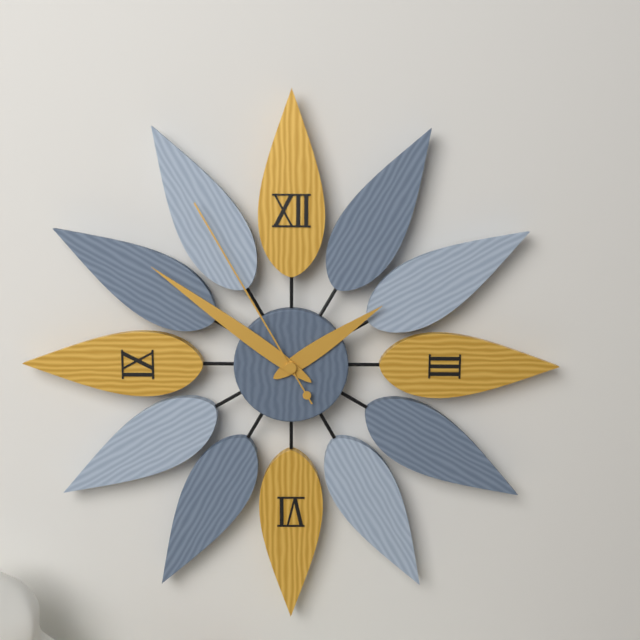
**1:51:55**
